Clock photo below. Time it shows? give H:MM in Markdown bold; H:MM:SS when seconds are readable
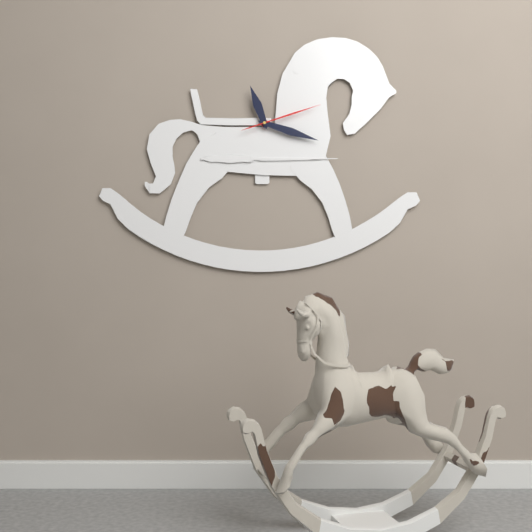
**11:18:12**
